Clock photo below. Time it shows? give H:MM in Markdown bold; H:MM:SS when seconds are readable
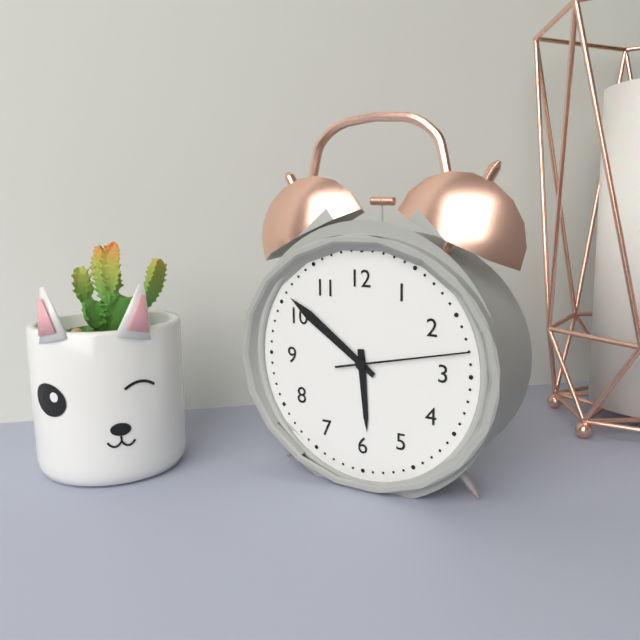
**5:51:13**
